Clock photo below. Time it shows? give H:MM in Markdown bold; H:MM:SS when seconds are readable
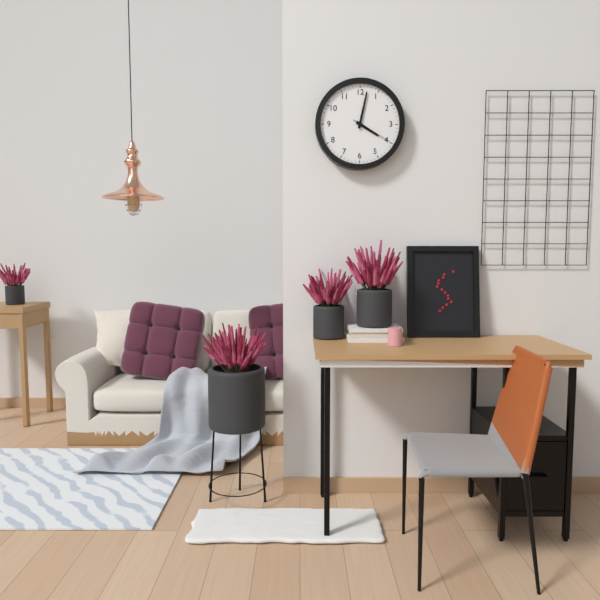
**4:02**
